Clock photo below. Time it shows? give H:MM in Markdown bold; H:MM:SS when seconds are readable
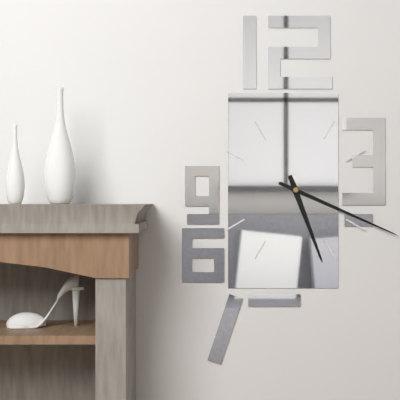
**5:19**
